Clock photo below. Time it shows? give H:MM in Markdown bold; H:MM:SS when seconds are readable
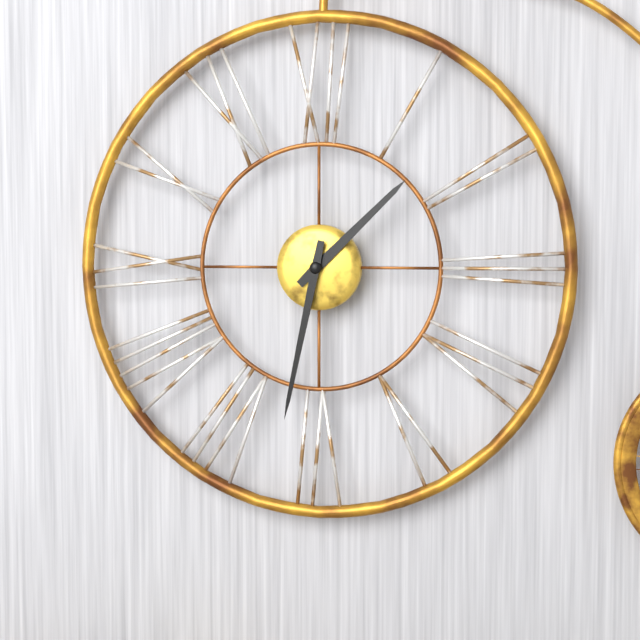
**1:32**
